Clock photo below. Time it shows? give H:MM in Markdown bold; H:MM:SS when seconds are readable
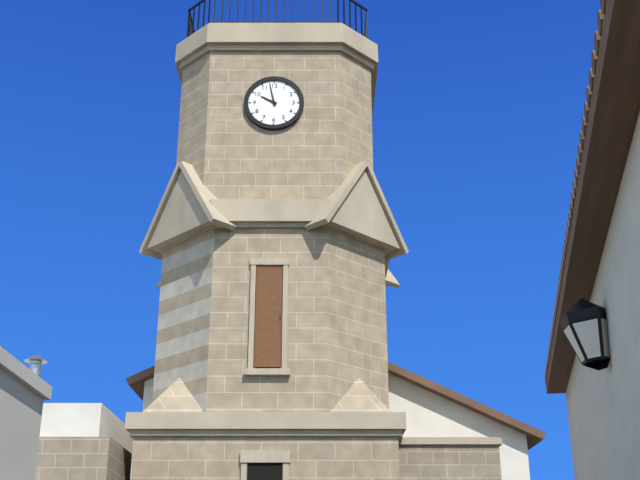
**9:58**
